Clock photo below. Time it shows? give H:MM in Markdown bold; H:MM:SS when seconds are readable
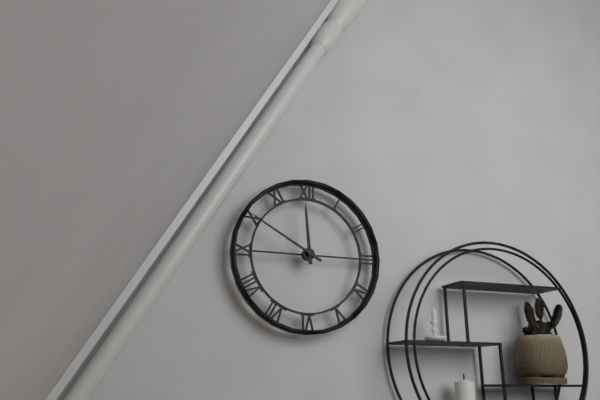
**11:50**
